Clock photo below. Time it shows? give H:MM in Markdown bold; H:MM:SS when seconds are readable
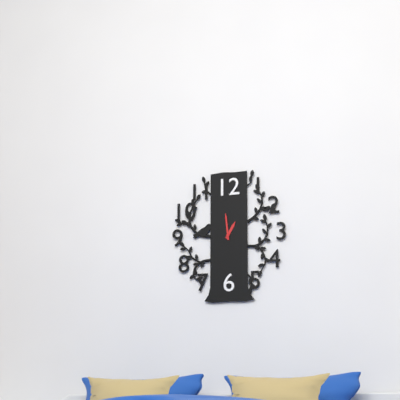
**12:59**
